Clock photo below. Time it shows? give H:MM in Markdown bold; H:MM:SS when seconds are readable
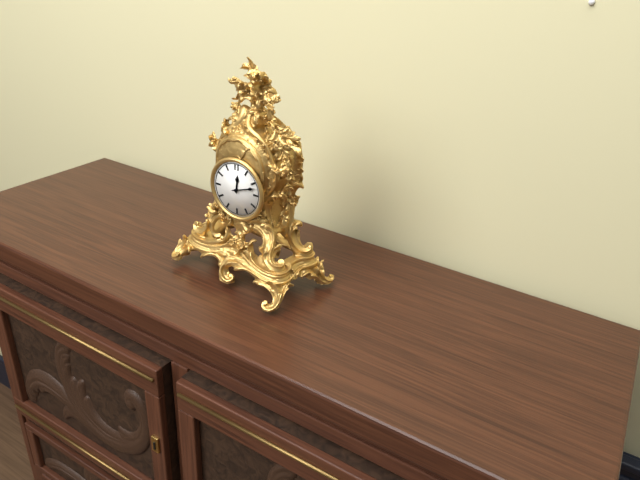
**12:12**
